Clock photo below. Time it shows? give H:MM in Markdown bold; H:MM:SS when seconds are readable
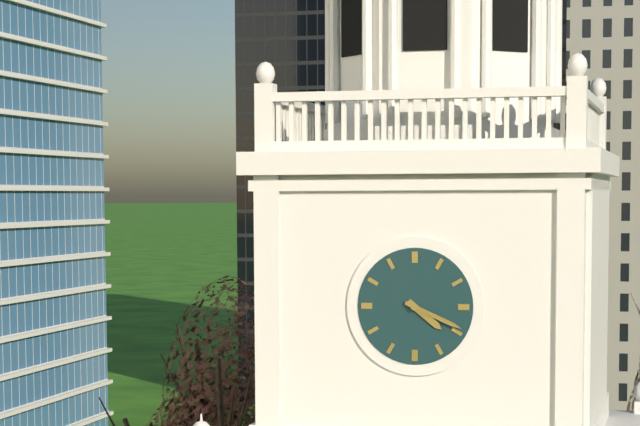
**4:19**
